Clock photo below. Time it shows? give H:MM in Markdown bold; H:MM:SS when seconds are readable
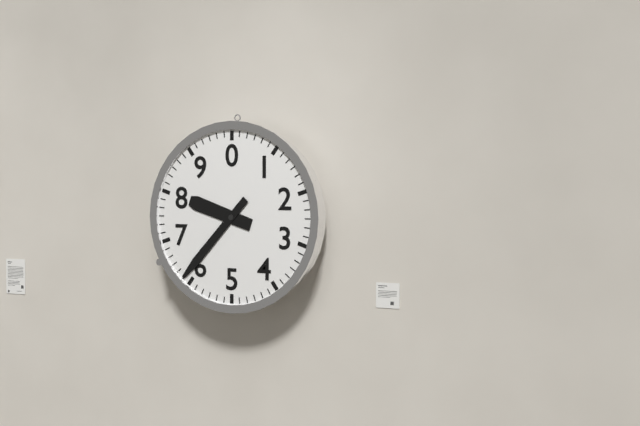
**9:37**
